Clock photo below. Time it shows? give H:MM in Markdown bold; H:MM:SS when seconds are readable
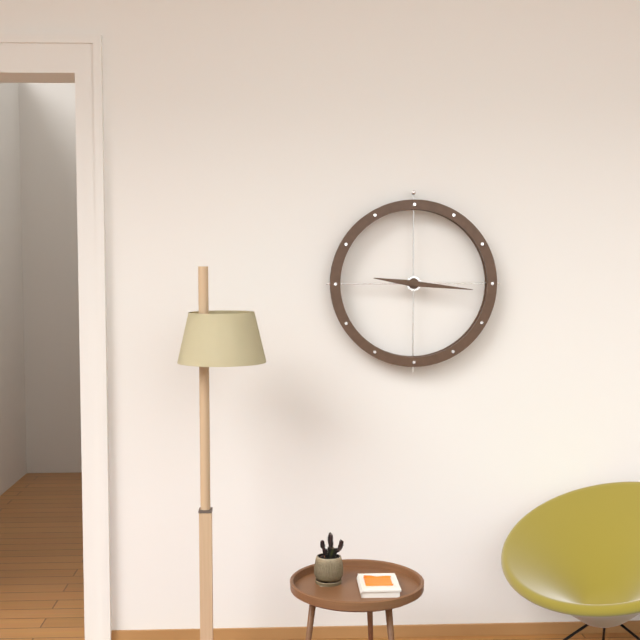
**9:16**
